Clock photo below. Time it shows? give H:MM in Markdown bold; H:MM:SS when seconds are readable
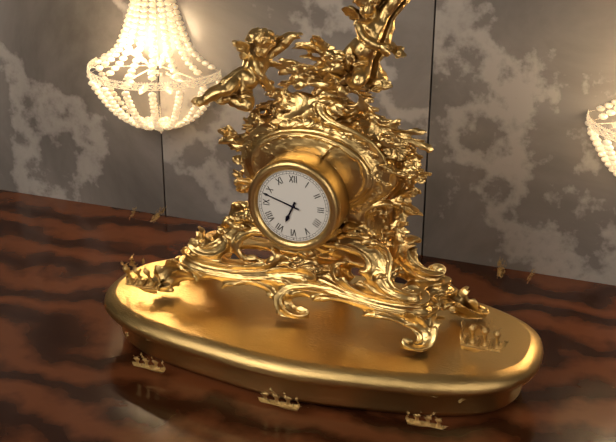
**6:48**
